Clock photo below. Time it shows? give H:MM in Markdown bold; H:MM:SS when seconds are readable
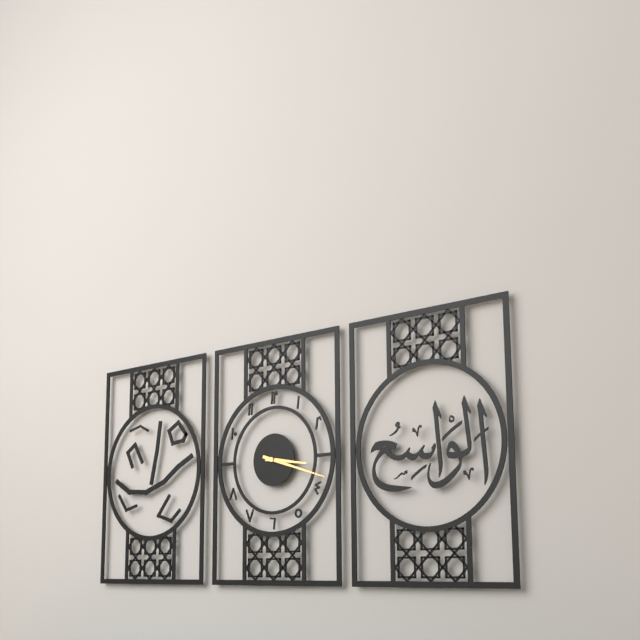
**3:18**
